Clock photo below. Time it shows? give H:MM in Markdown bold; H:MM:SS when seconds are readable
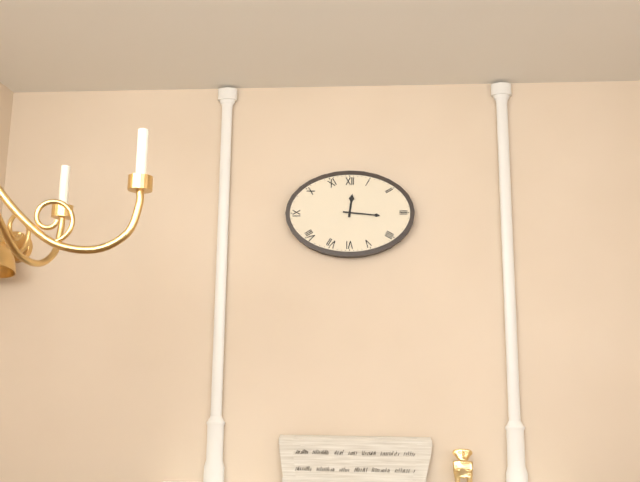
**12:16**
